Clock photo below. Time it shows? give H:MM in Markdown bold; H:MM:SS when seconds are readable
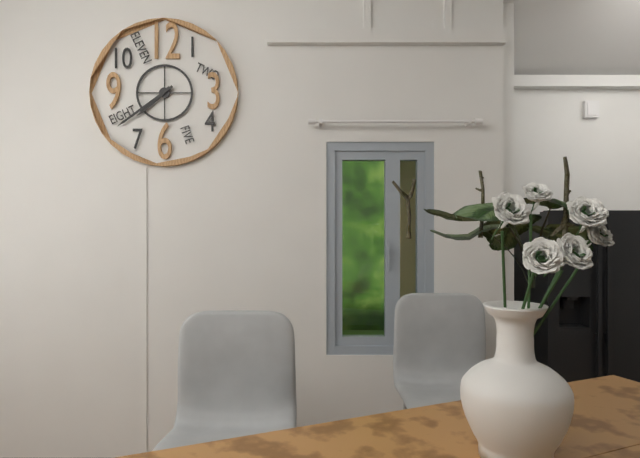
**7:39**
